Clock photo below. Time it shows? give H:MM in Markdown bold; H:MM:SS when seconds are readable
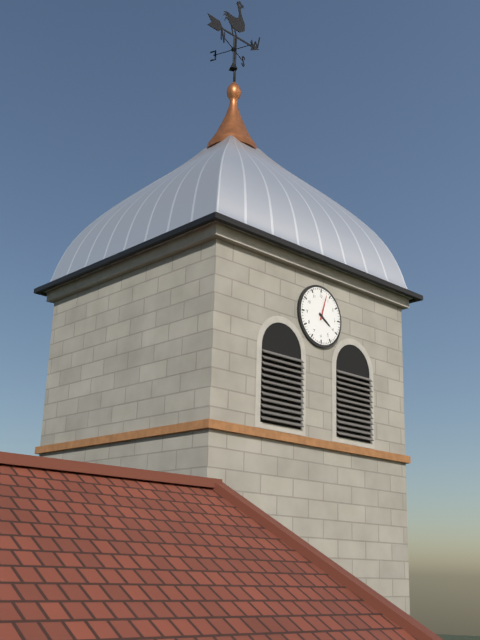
**4:03**
